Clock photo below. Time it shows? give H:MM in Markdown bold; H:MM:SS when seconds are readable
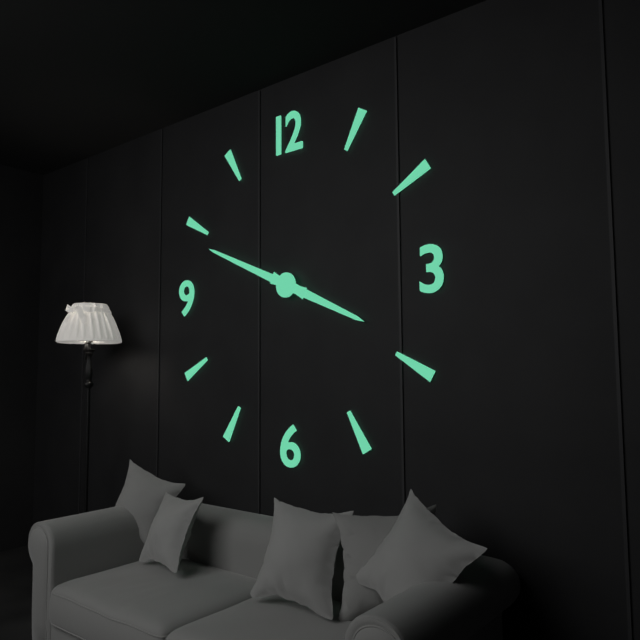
**3:49**
